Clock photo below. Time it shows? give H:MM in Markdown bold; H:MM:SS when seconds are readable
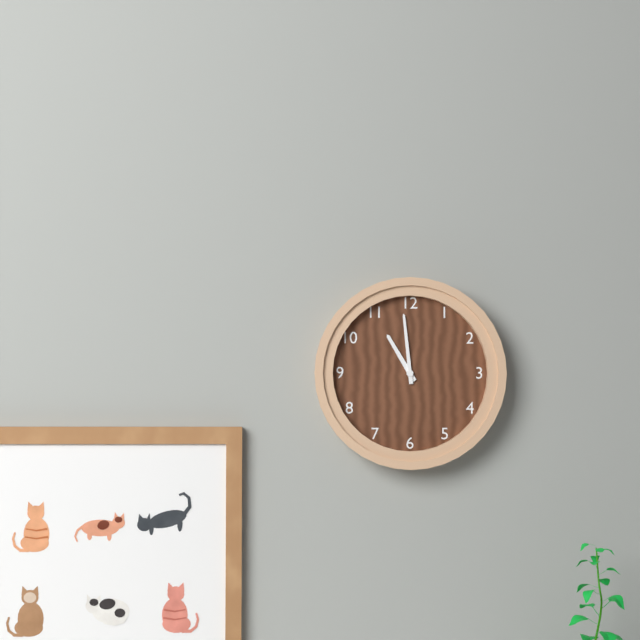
**10:59**
